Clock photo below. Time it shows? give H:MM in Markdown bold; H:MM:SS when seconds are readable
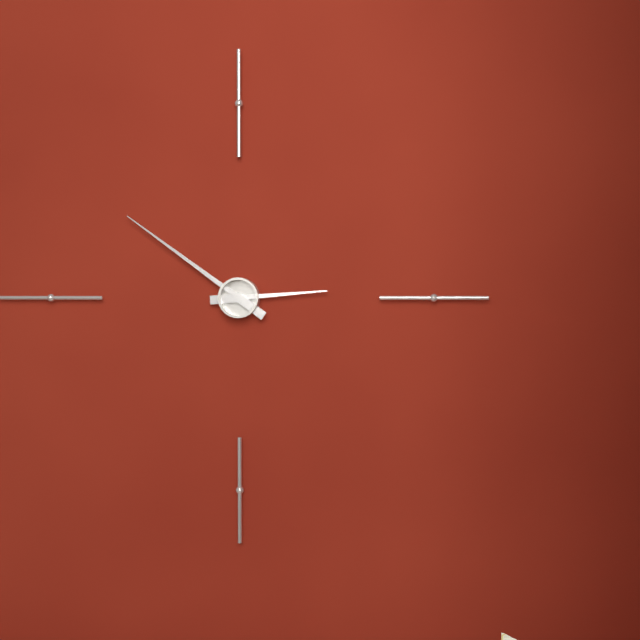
**2:51**
